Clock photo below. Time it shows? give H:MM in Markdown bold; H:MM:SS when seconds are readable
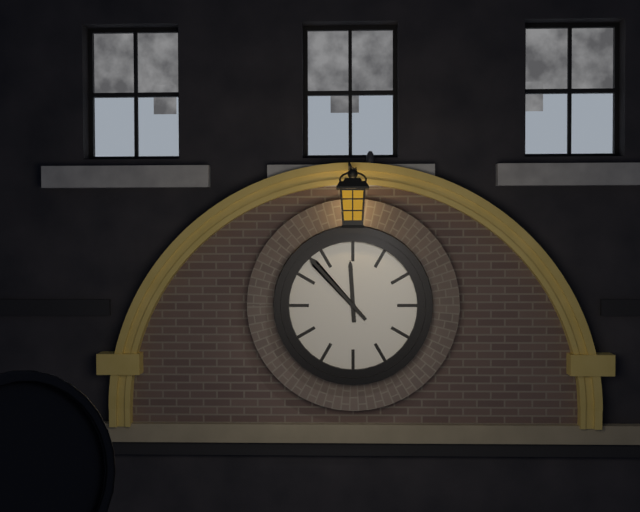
**11:53**
